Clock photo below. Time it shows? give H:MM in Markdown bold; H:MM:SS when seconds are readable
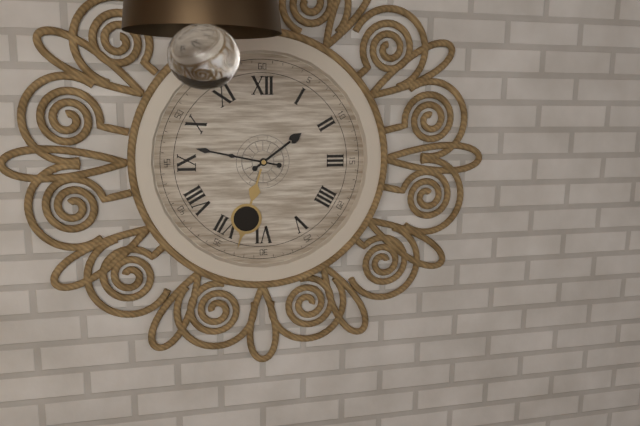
**1:47**
